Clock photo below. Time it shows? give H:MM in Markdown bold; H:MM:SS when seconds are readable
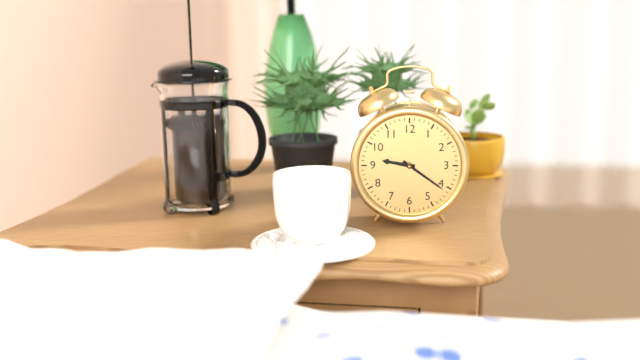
**9:21**
